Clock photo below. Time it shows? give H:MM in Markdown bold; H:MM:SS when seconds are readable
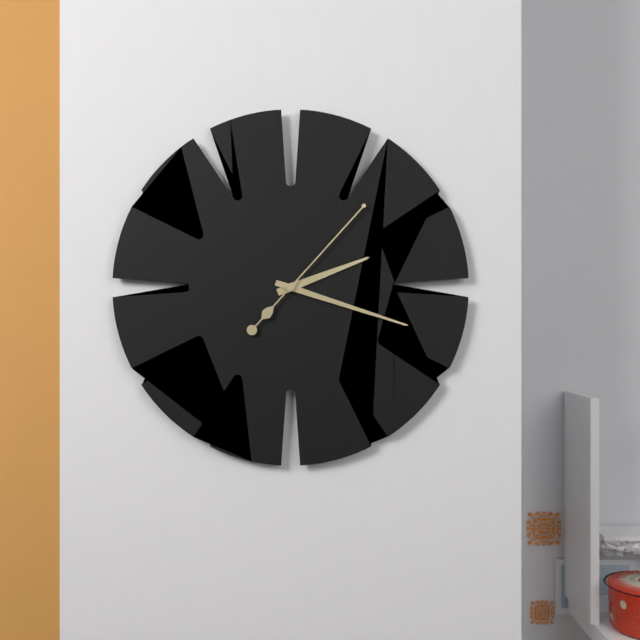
**2:18:07**
